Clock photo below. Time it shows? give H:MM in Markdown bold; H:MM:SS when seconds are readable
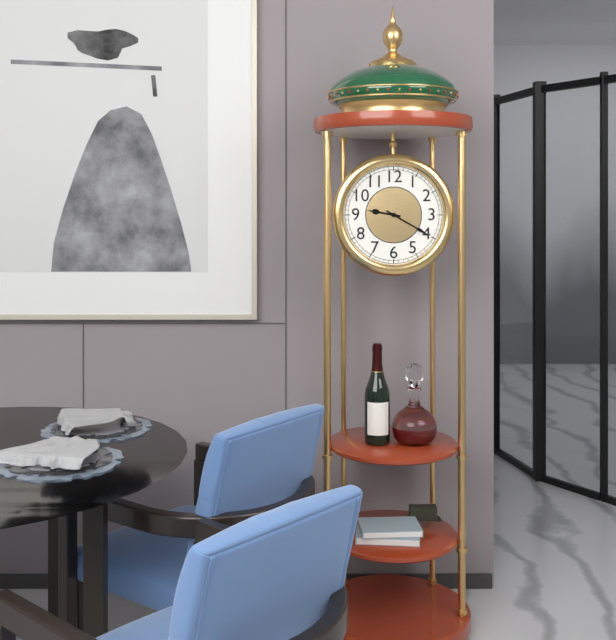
**9:20**
